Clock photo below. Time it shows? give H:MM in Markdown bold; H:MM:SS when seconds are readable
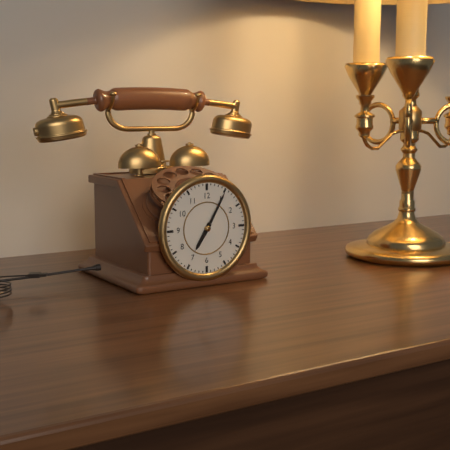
**7:05**
